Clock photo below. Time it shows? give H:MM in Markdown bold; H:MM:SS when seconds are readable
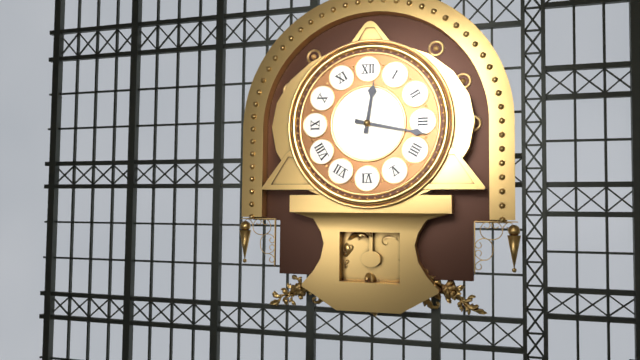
**12:17**
